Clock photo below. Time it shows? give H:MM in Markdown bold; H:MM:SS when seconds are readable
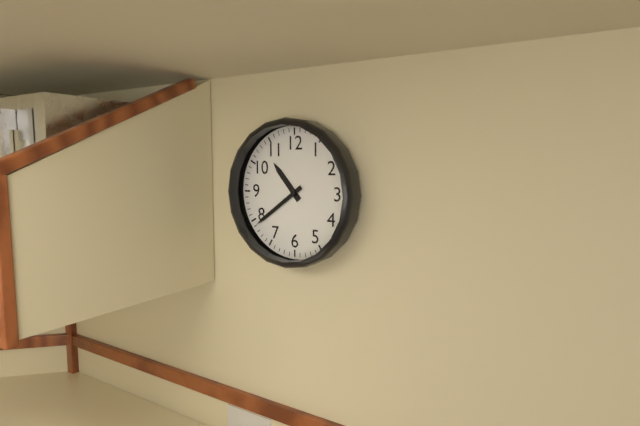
**10:39**
